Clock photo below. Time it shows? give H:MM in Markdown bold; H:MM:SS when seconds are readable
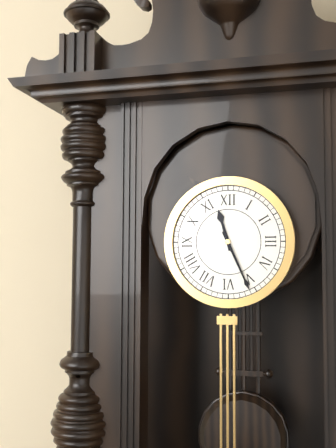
**11:26**
